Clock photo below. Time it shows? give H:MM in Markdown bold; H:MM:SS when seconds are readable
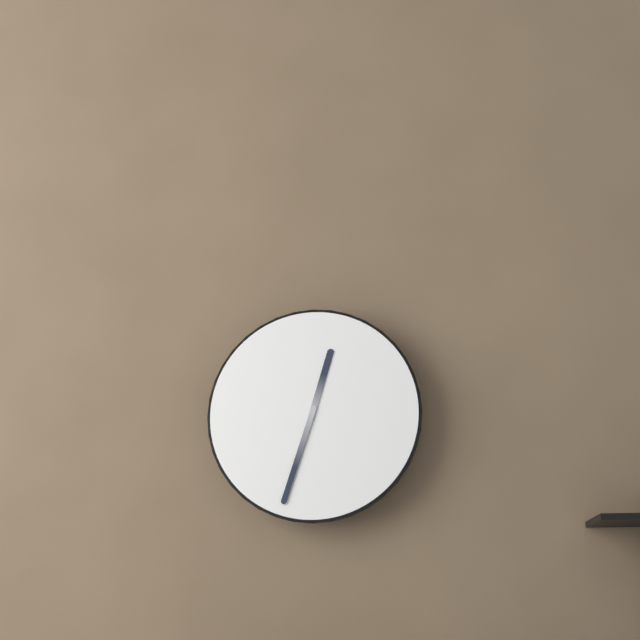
**12:33**
